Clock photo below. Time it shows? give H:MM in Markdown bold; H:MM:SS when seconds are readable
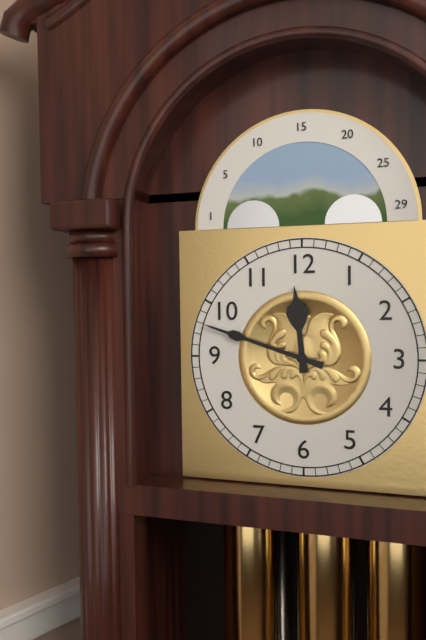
**11:48**
